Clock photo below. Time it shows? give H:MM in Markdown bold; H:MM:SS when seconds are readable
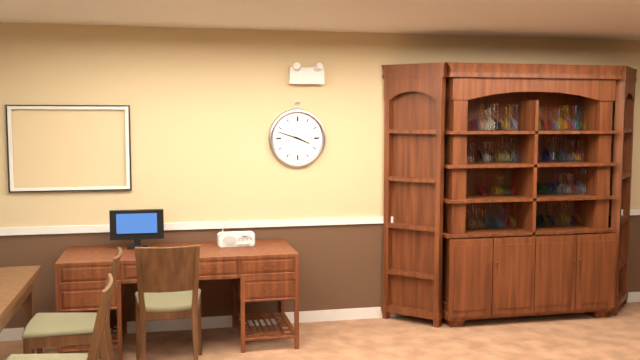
**3:48**
